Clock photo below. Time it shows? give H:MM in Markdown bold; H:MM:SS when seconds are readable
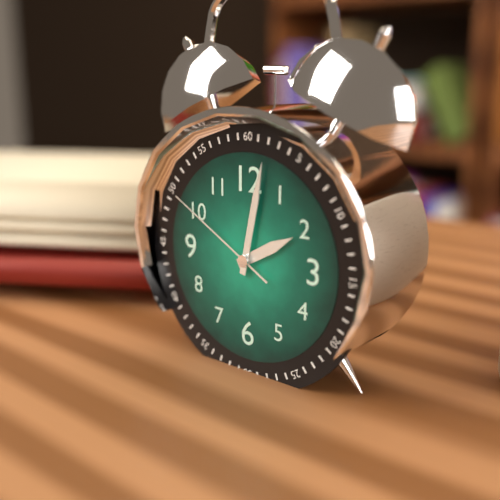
**2:02:50**
